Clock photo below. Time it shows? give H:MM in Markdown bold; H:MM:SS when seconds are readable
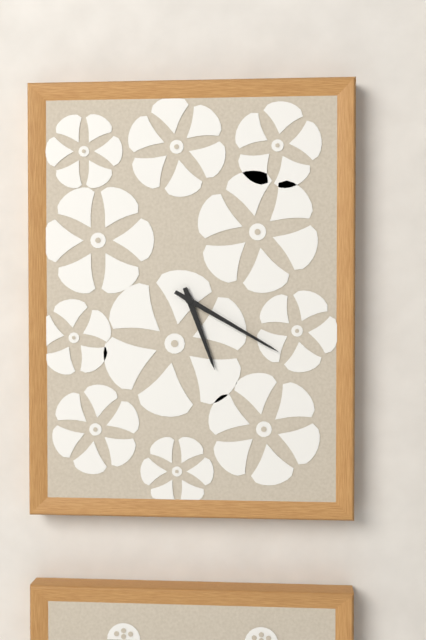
**5:20**
